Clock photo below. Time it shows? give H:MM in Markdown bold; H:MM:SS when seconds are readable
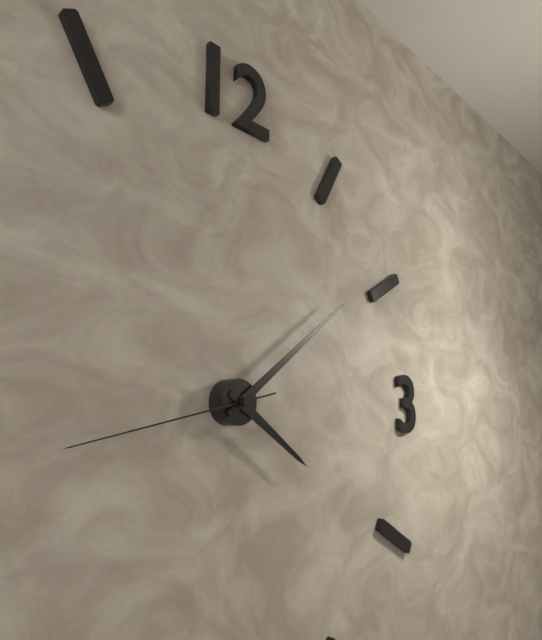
**4:09:43**
